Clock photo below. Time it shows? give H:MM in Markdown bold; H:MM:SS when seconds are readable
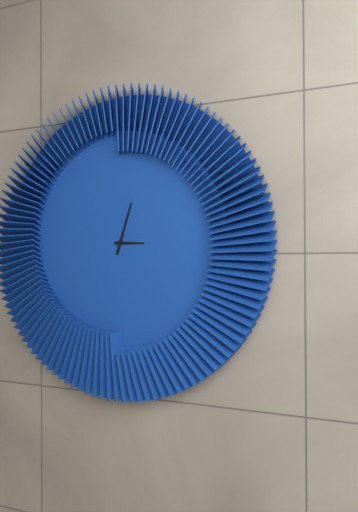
**3:03**
